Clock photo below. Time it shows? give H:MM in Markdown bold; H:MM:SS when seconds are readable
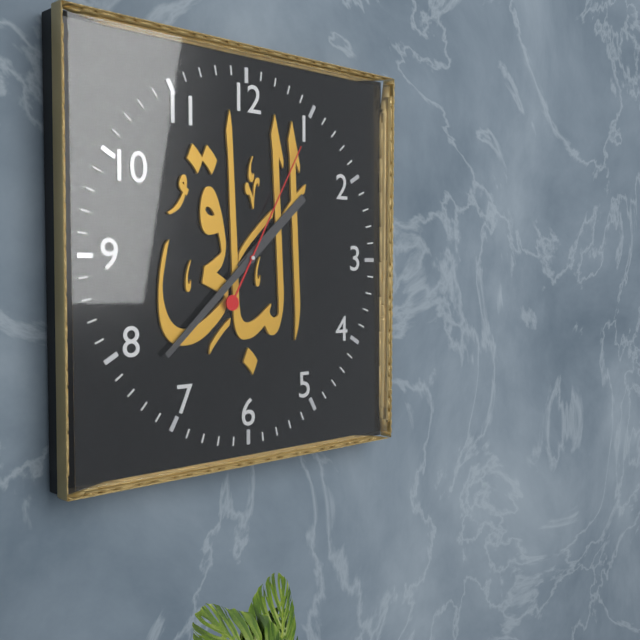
**1:38:05**
